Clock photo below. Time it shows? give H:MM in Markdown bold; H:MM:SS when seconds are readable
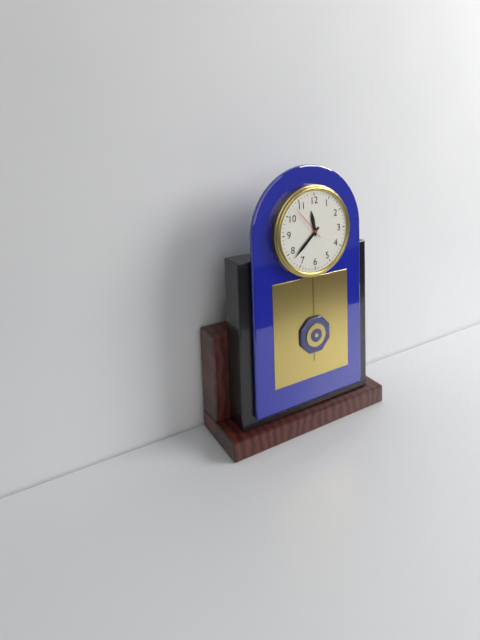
**11:38**
